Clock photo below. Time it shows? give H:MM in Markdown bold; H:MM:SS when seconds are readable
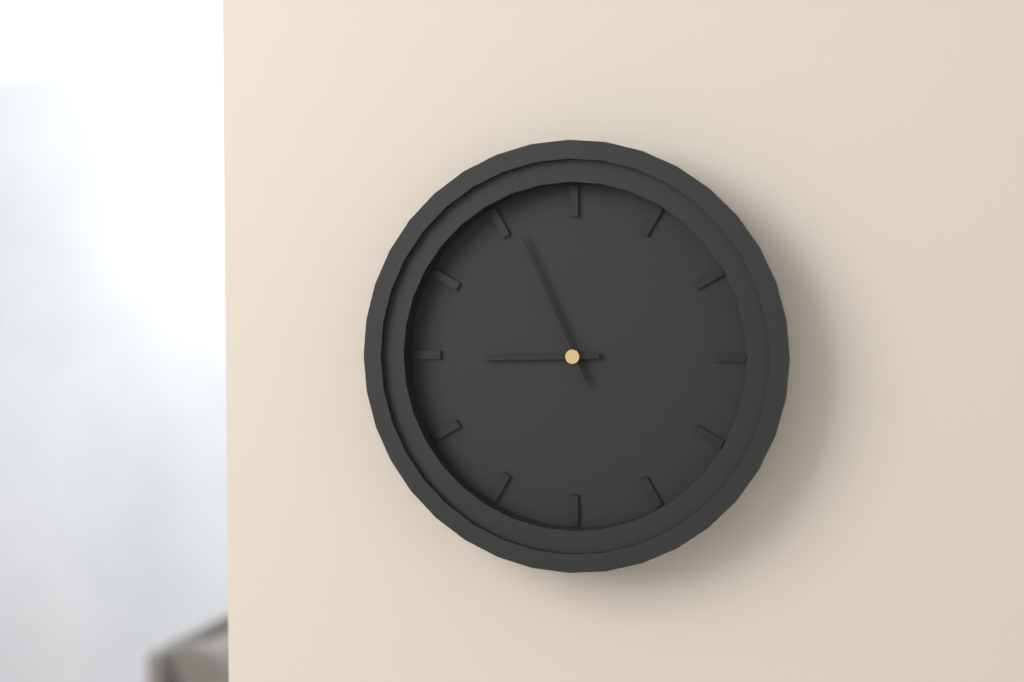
**8:56**
